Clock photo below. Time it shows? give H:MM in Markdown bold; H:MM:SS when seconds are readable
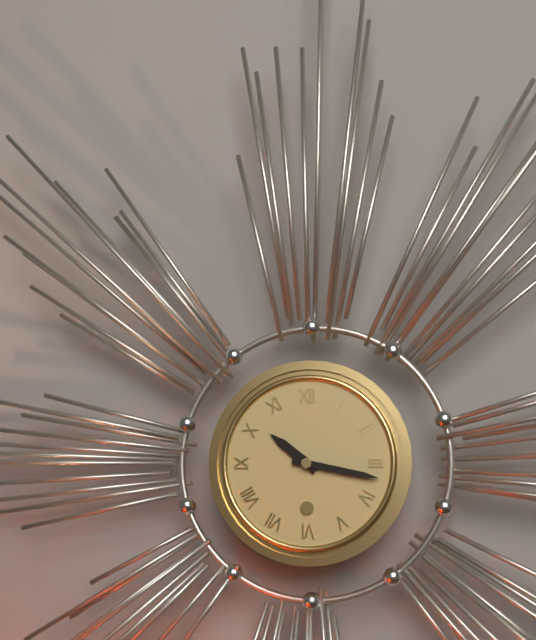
**10:17**
